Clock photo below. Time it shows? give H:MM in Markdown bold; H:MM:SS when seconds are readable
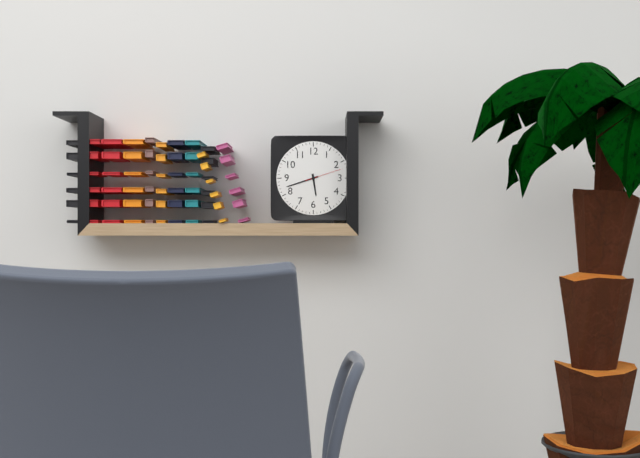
**5:42**
